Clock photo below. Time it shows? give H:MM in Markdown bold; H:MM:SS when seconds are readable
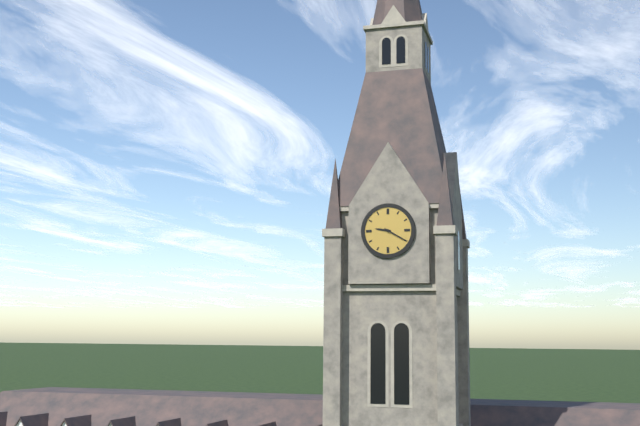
**9:20**
